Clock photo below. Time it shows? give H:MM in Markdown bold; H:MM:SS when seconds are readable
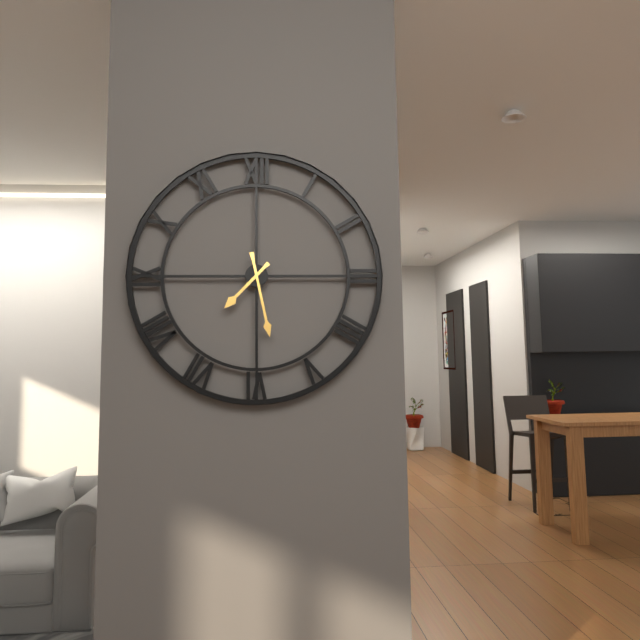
**7:28**
